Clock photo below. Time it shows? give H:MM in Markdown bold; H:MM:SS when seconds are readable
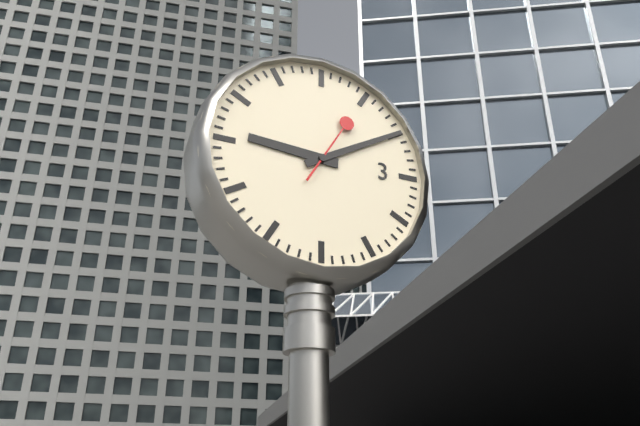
**9:10:05**
